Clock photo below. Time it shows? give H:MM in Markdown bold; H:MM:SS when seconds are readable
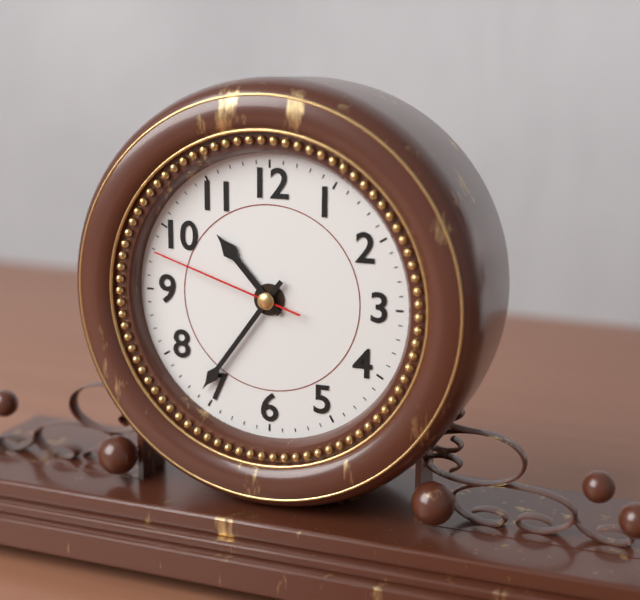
**10:36:48**
